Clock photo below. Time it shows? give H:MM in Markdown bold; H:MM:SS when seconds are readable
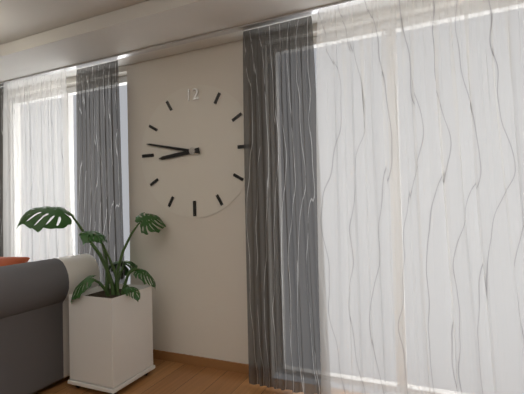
**8:47**
